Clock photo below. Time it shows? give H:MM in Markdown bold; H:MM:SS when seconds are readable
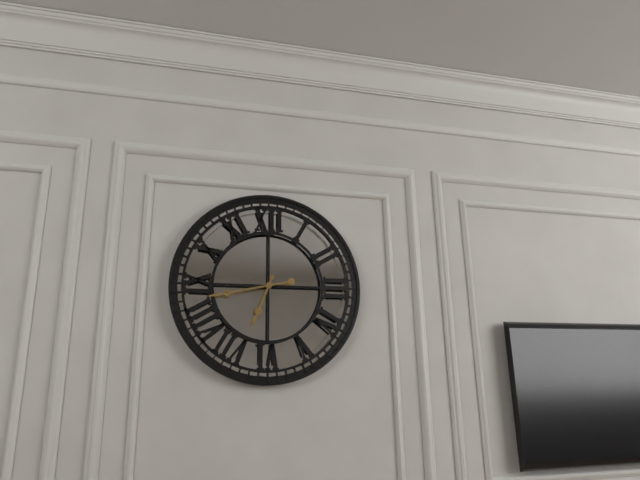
**6:43**
